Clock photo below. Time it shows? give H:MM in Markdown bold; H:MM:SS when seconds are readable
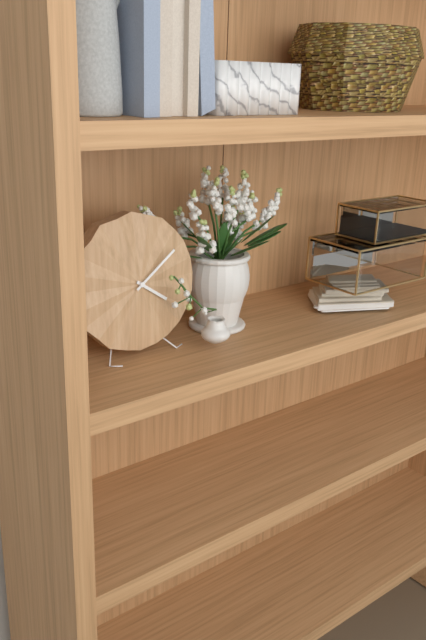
**4:09**
